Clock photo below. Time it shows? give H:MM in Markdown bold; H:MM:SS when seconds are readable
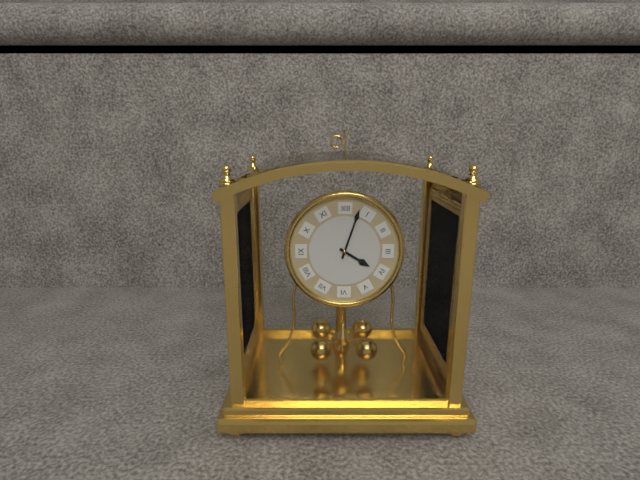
**4:03**
